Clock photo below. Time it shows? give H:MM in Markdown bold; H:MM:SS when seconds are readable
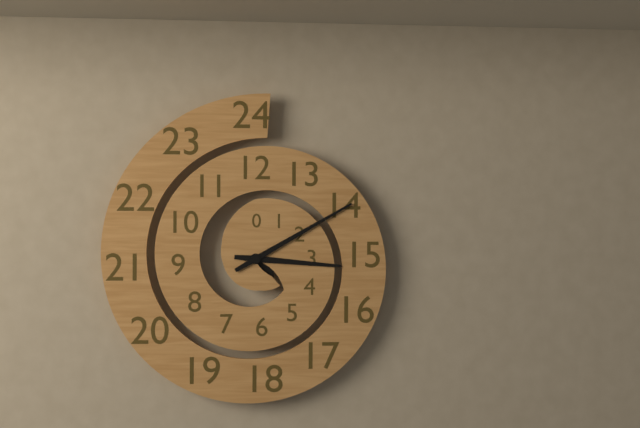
**3:10**
